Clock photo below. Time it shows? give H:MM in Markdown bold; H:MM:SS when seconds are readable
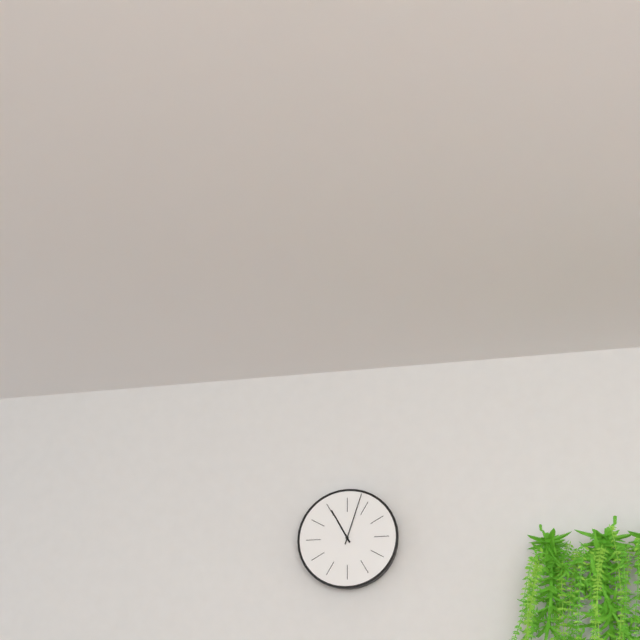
**11:03**
